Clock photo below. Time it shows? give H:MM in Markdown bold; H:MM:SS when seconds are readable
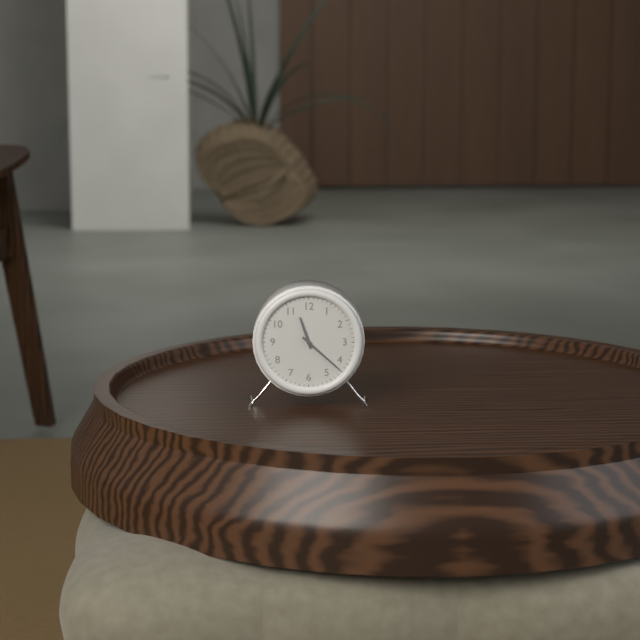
**11:22**
